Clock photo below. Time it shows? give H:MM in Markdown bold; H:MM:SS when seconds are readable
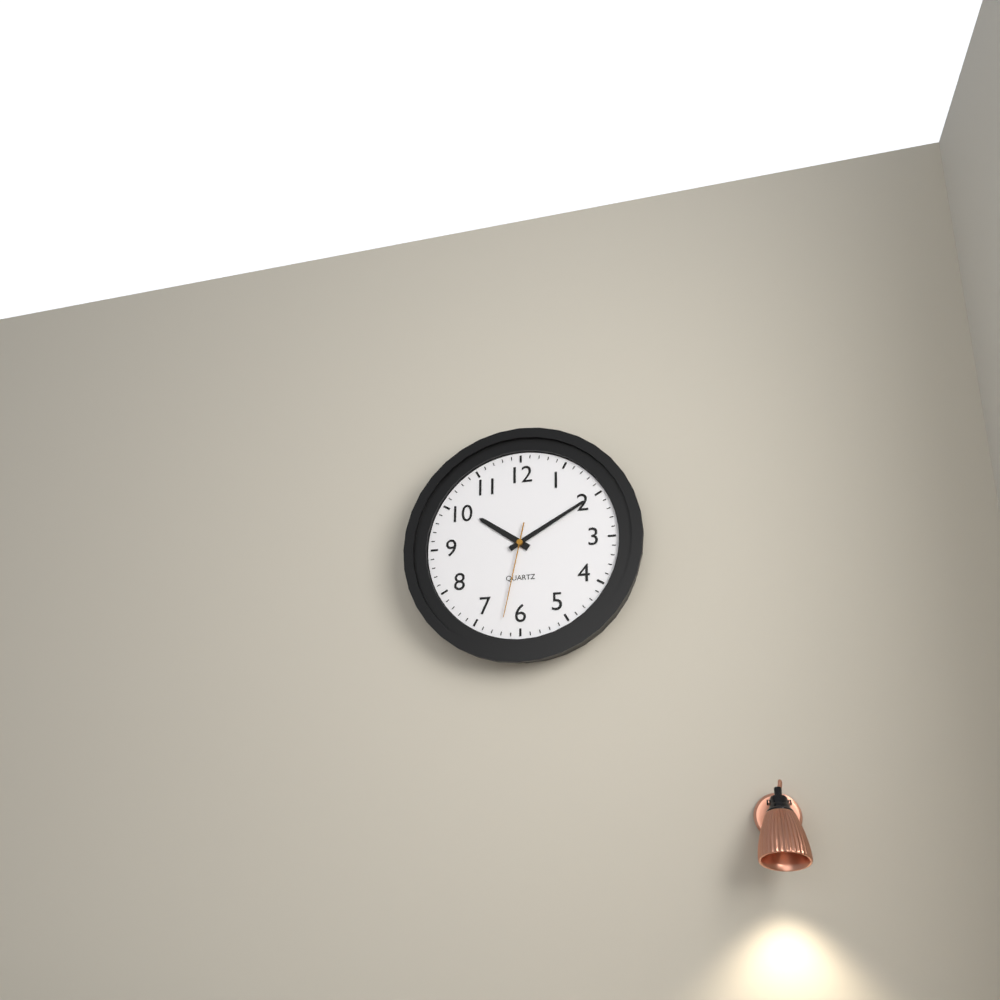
**10:10:32**
